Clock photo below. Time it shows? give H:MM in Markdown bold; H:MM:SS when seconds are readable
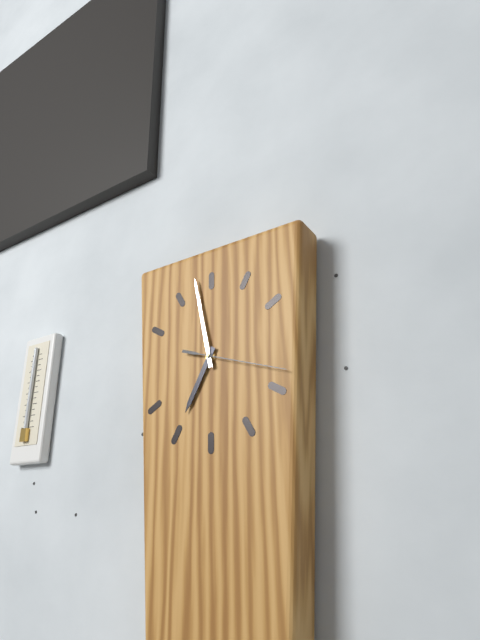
**6:58:18**
